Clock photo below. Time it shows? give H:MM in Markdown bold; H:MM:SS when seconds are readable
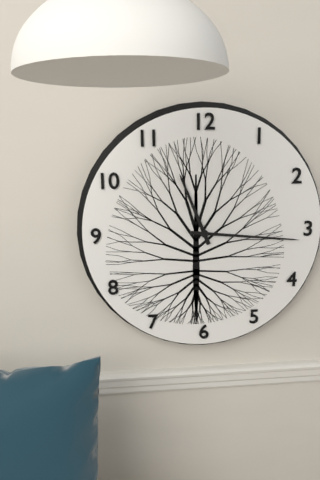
**11:16**
